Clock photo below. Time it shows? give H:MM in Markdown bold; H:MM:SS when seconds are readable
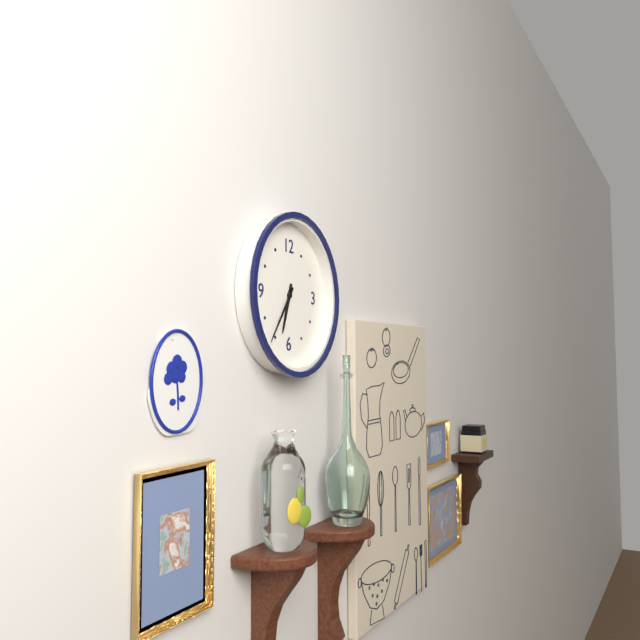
**6:36**
